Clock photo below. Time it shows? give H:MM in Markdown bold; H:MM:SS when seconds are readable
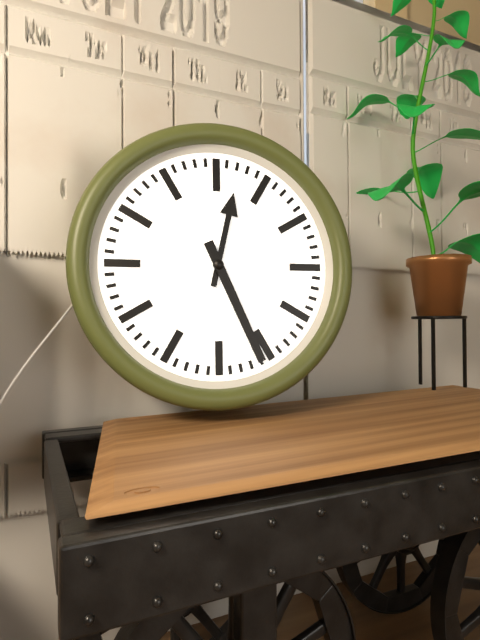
**12:26**
